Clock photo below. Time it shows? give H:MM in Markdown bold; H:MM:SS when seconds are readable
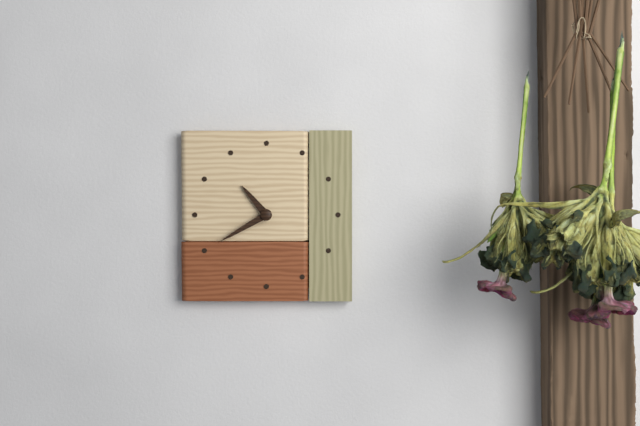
**10:40**
